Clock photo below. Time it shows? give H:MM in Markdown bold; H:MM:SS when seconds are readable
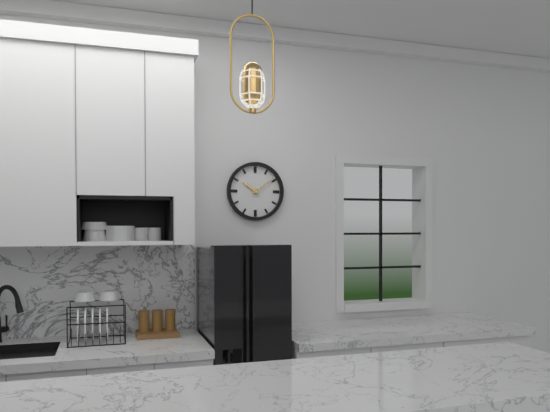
**10:09**
